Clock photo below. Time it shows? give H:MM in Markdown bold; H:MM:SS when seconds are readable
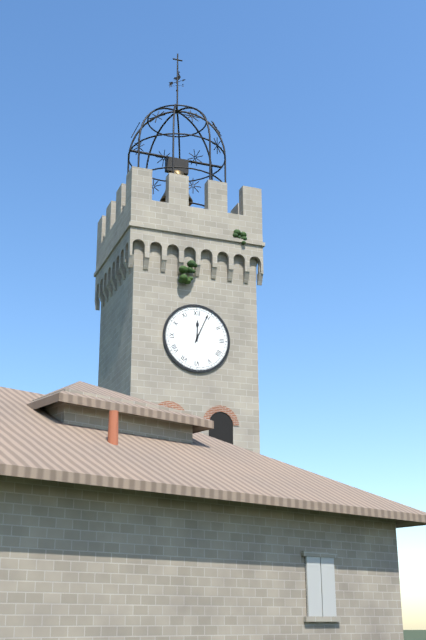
**12:04**
